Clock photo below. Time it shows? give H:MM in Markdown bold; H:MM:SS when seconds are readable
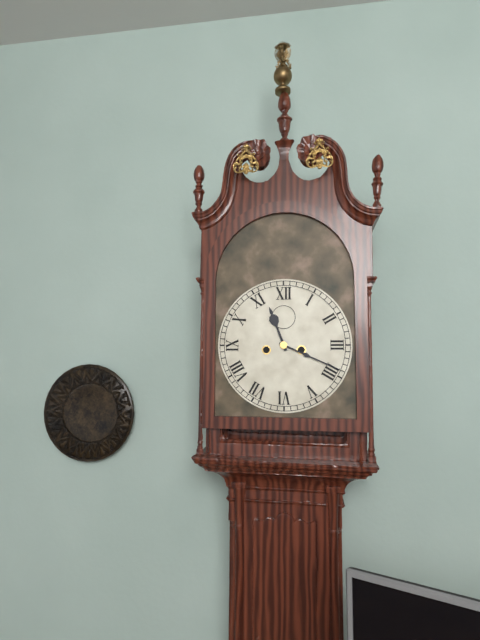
**11:19**
